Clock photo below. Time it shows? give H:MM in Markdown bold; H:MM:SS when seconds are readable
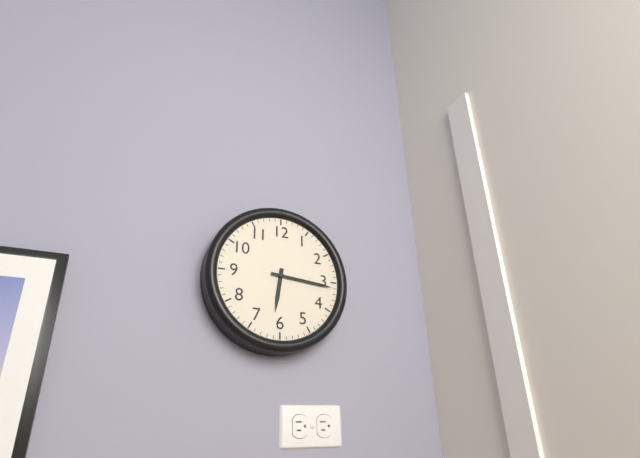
**6:16**
